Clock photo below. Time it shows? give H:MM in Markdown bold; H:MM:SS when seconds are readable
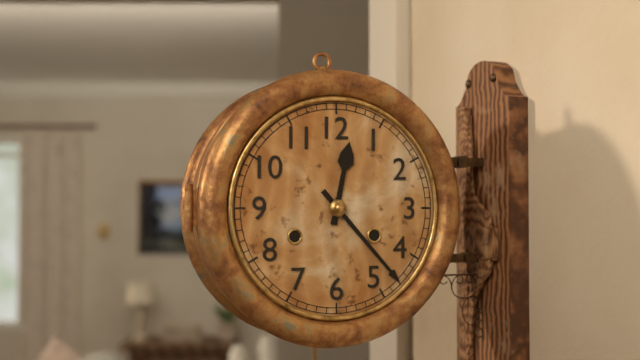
**12:23**
